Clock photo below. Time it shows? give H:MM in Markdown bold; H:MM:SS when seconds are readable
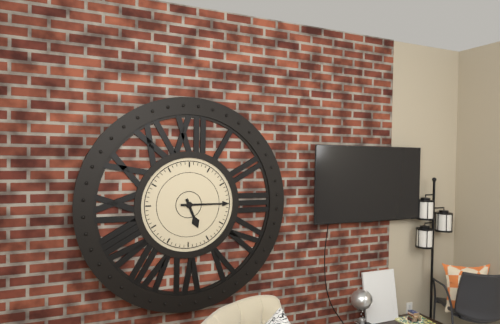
**5:15**
